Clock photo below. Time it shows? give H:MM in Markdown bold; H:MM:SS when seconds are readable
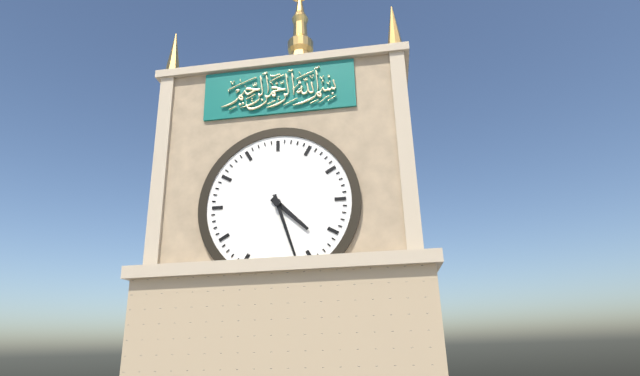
**4:27**
